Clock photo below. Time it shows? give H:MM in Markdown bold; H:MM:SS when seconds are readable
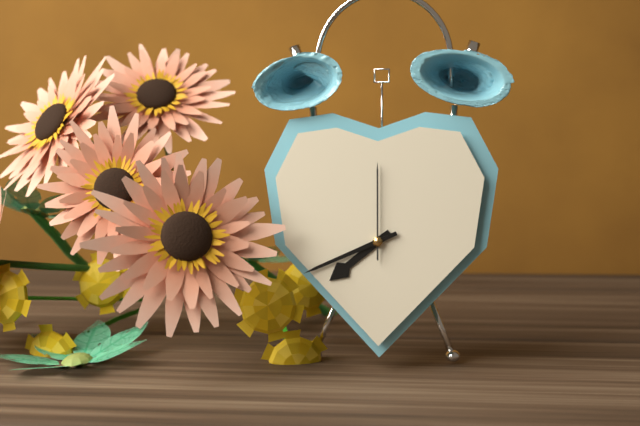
**7:41:00**
